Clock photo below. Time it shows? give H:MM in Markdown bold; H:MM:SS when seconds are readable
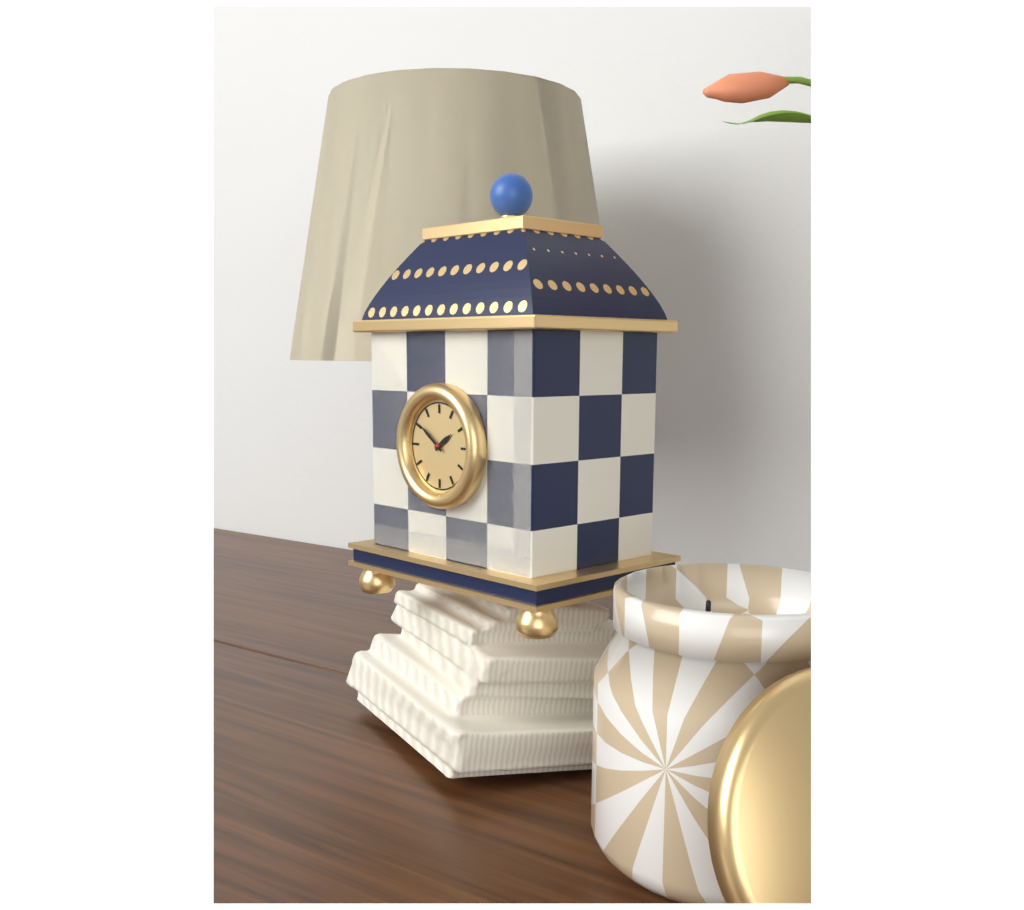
**1:51**
